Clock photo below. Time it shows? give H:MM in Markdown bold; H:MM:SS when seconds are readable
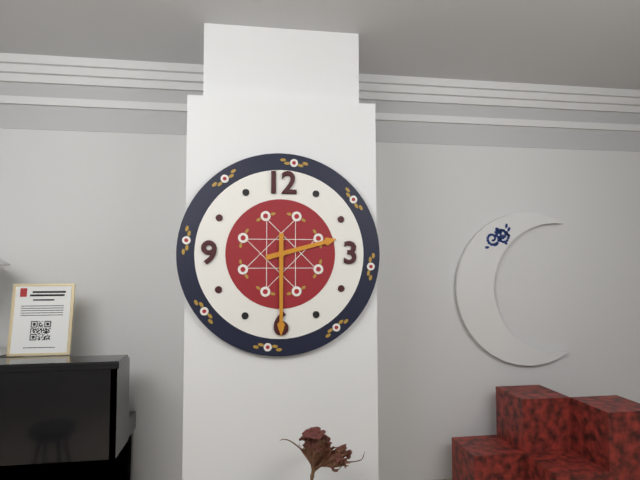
**2:30**
